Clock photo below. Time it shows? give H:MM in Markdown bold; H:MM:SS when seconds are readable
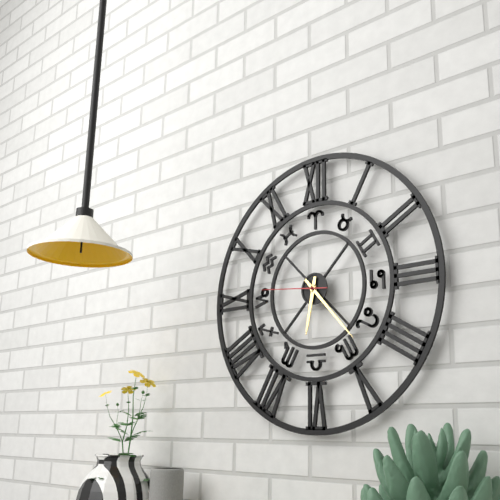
**6:23:46**
